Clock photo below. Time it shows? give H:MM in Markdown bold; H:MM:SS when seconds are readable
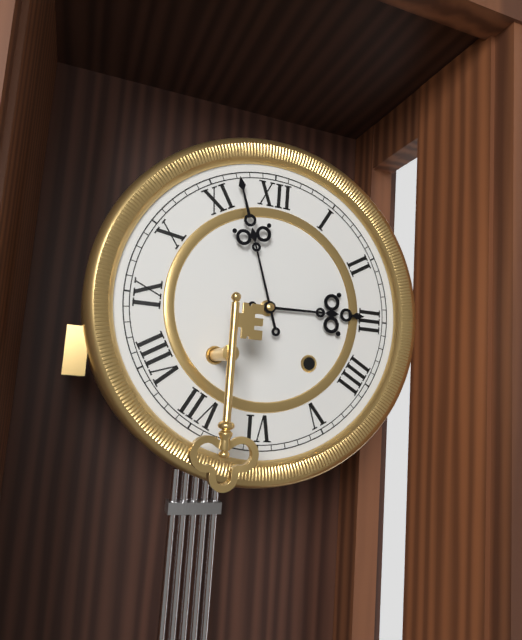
**2:57**
